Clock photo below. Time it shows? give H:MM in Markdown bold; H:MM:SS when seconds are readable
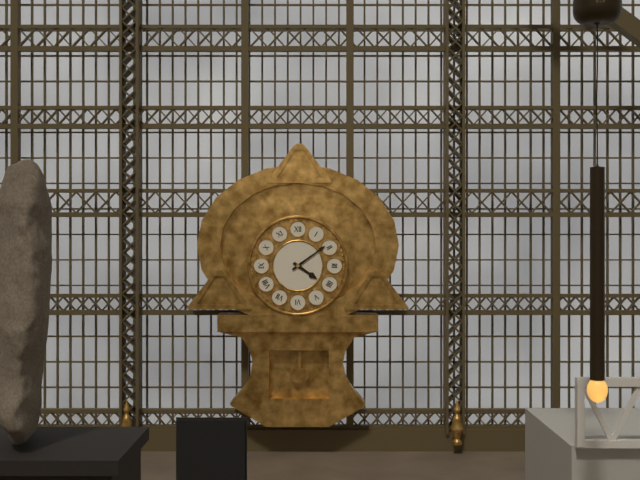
**4:09**
